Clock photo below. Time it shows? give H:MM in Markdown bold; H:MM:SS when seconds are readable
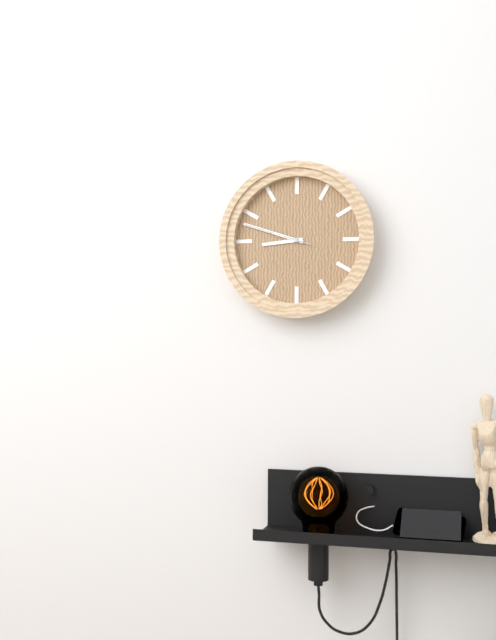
**8:48:48**
